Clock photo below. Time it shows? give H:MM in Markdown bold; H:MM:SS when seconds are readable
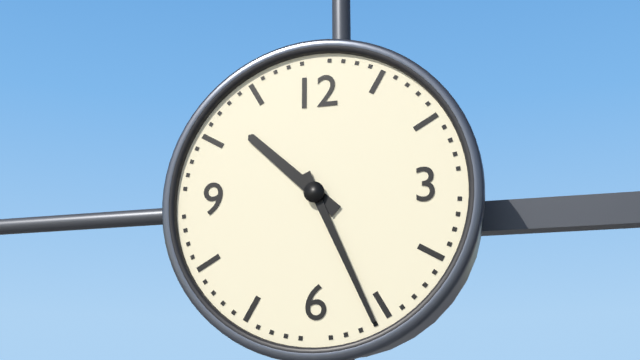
**10:26**
